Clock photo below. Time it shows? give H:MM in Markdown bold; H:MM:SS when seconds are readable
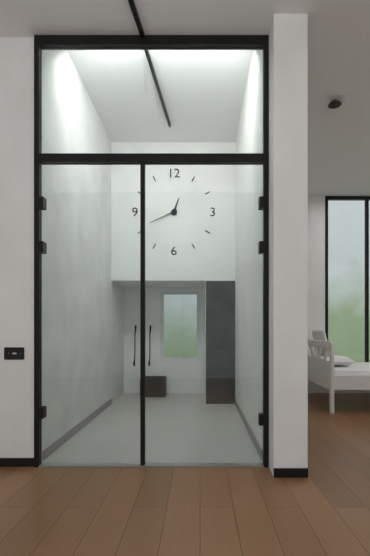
**12:41**
